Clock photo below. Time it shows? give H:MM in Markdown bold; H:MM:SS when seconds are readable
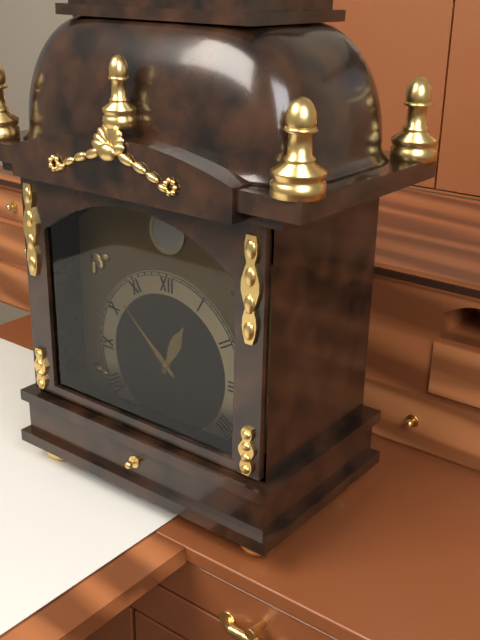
**12:52**
